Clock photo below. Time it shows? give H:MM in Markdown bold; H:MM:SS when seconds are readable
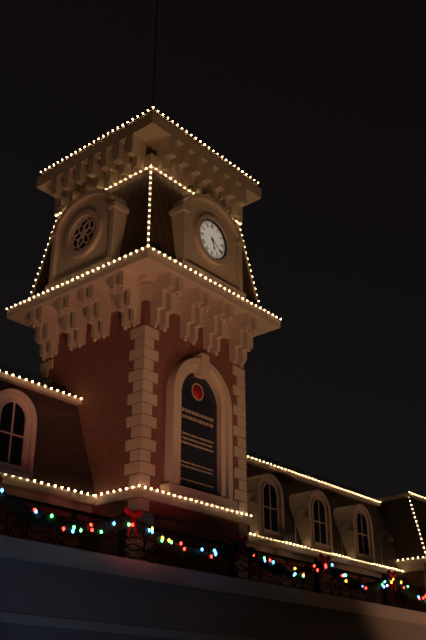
**5:21**
